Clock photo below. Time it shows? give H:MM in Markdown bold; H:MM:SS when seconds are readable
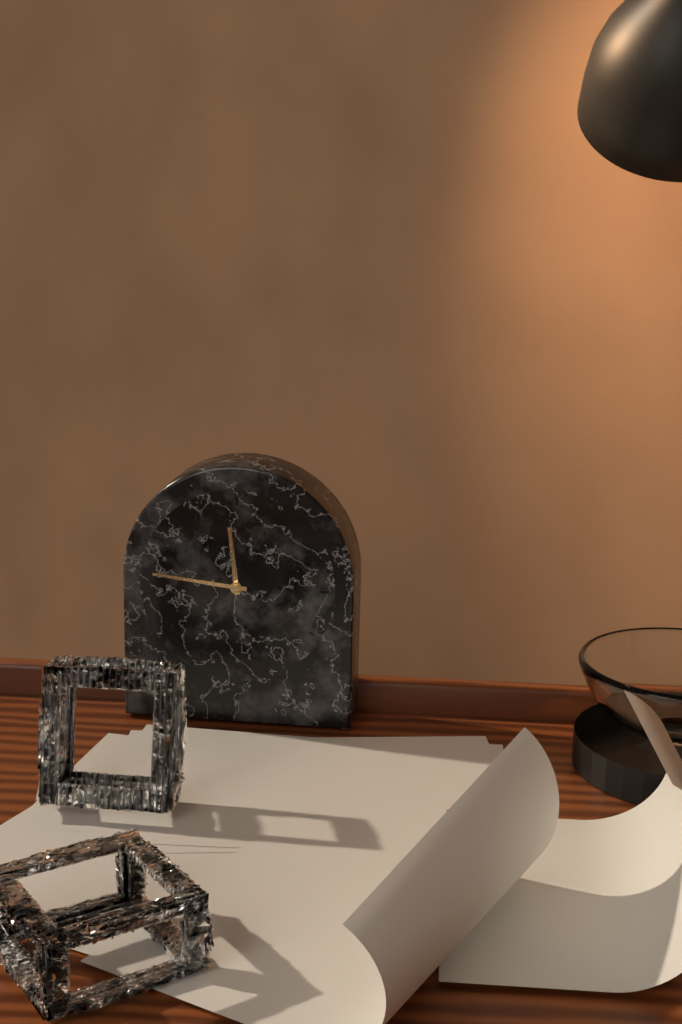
**11:46**
